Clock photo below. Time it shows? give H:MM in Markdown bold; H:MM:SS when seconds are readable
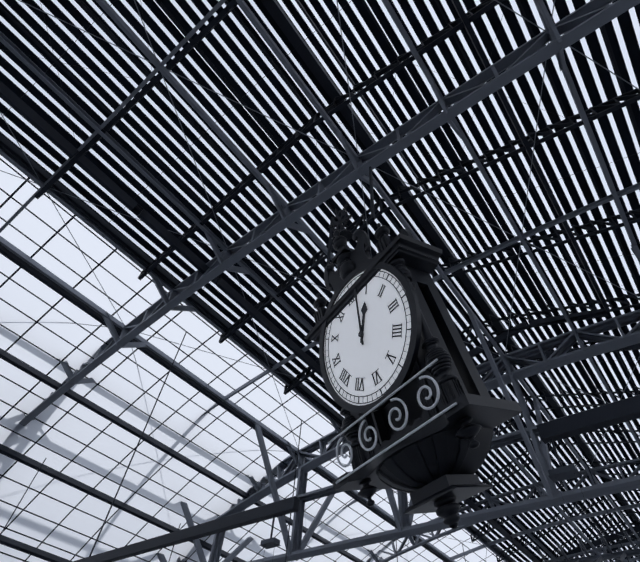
**1:02**
